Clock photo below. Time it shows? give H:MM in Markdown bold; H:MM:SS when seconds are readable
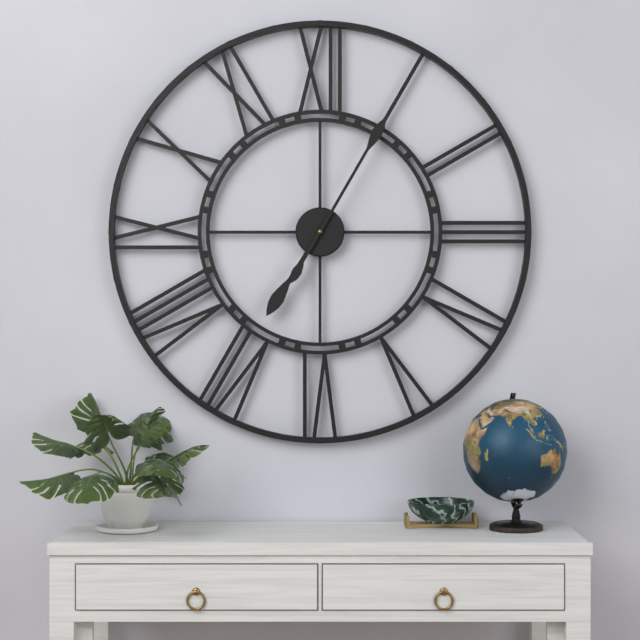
**7:05**
